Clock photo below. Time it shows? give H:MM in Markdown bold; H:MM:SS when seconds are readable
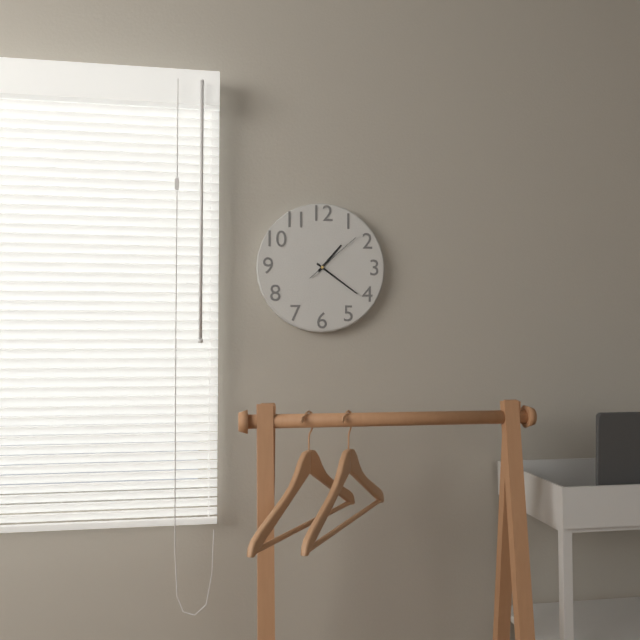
**1:21:08**
